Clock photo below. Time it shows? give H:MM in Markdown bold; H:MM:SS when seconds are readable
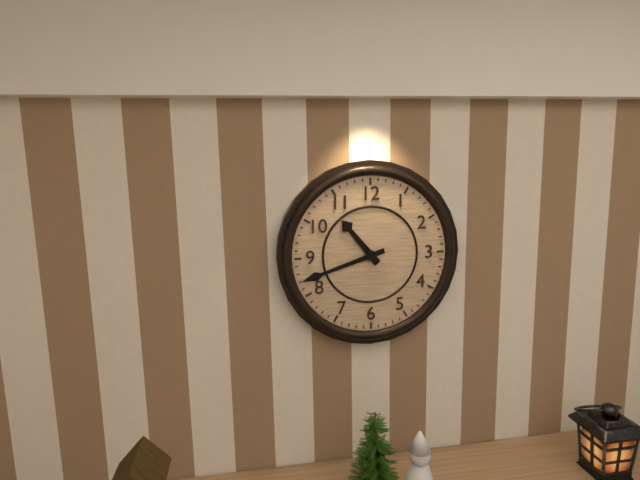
**10:42**
